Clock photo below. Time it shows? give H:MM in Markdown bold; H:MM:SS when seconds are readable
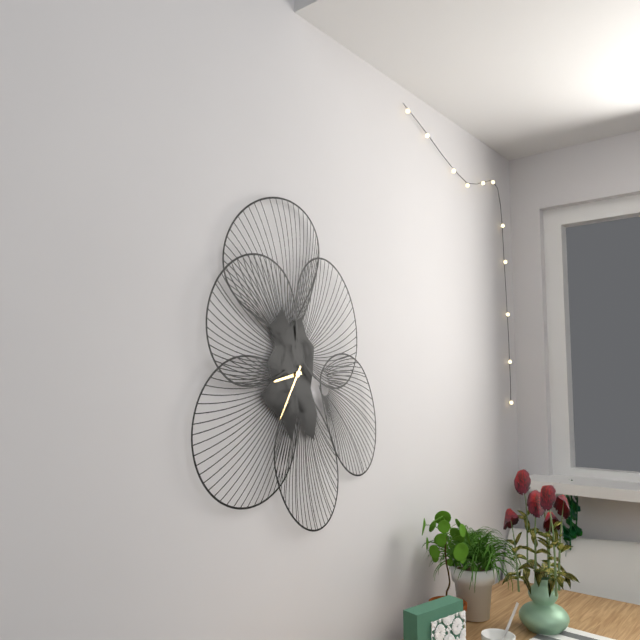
**8:35**
